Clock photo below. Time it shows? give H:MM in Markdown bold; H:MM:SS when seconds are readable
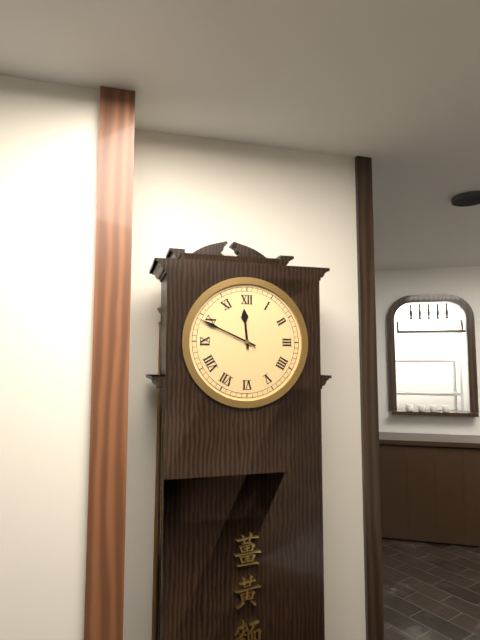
**11:49**
